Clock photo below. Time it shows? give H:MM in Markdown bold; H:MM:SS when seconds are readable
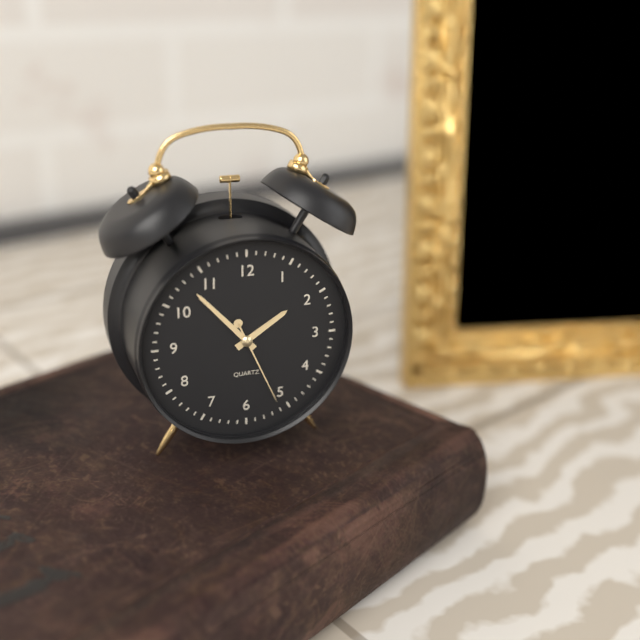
**1:53:26**
